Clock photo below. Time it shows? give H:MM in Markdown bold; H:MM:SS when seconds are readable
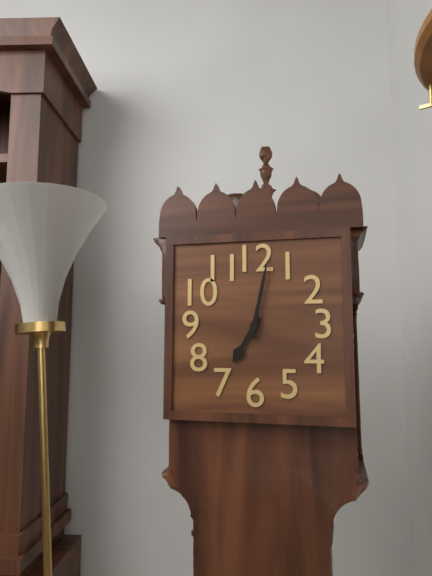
**7:02**
